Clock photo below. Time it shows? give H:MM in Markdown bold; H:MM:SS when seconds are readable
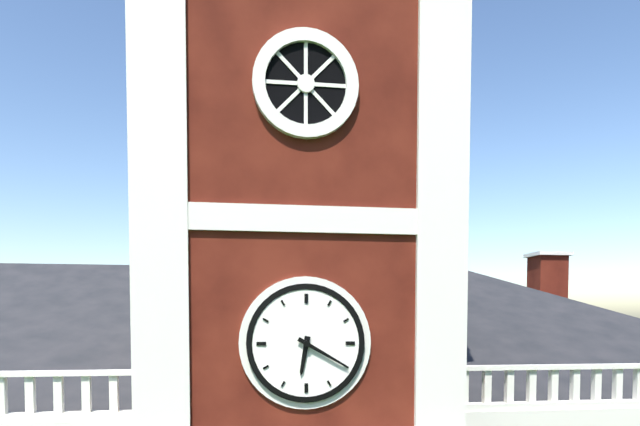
**6:20**
